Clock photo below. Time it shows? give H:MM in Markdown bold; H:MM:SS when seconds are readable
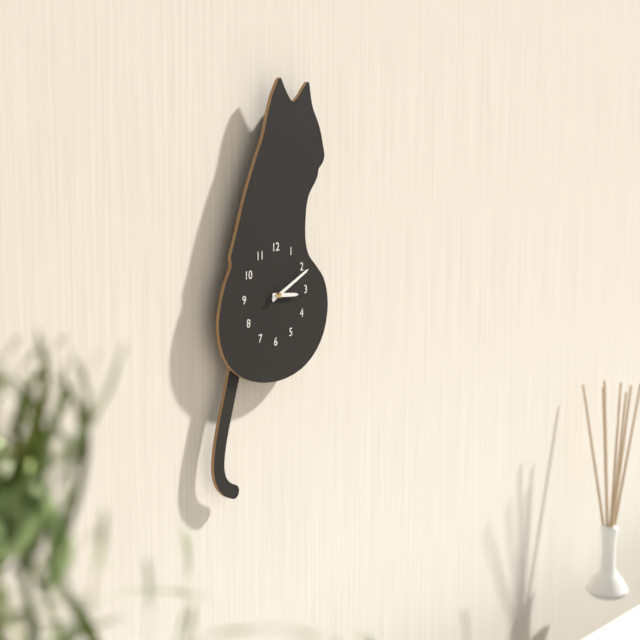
**3:11**
